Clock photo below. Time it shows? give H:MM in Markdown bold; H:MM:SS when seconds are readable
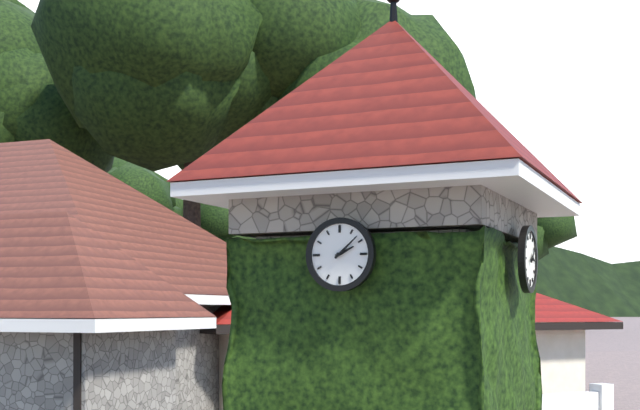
**2:08**
